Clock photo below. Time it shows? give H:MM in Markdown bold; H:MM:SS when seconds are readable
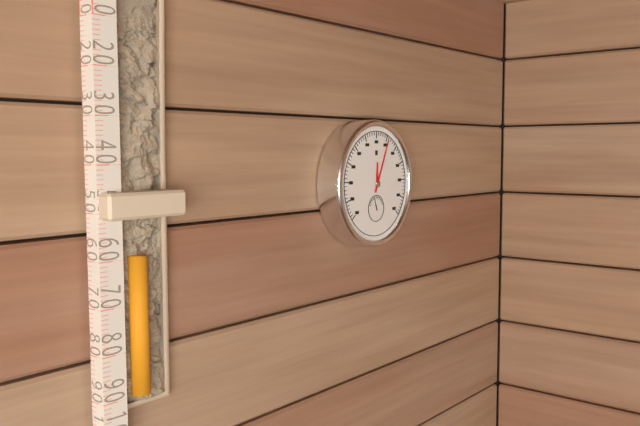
**12:04**
